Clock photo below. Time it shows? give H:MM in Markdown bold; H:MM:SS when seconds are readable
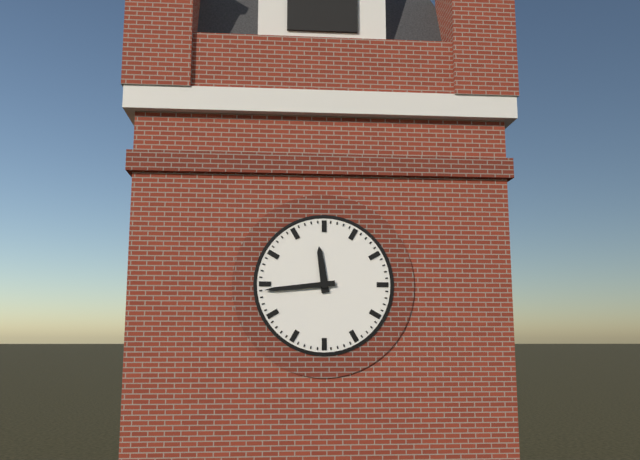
**11:44**
